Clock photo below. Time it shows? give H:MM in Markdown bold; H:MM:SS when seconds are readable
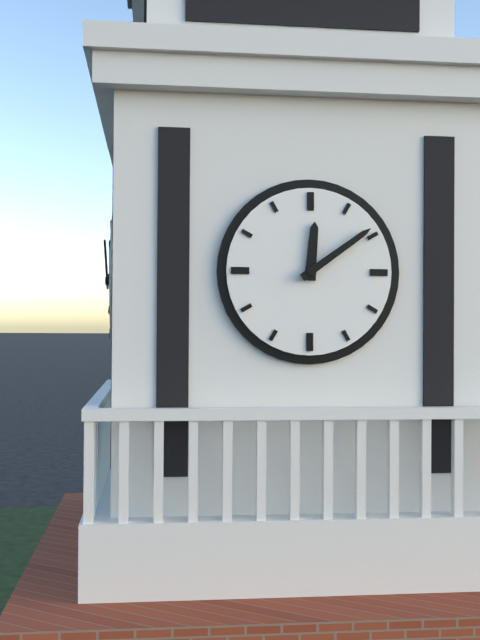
**12:09**
